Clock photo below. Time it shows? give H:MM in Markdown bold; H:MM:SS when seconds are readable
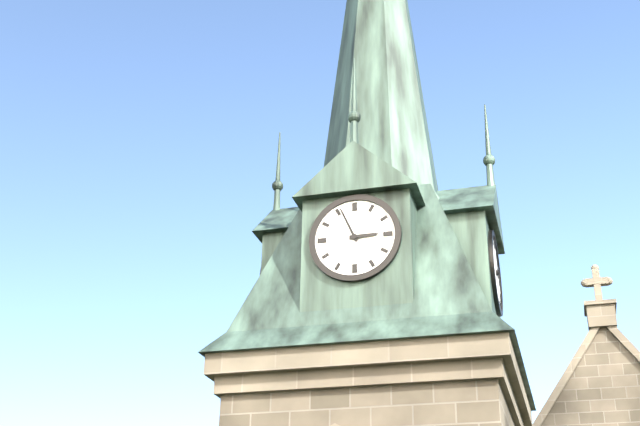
**2:56**
